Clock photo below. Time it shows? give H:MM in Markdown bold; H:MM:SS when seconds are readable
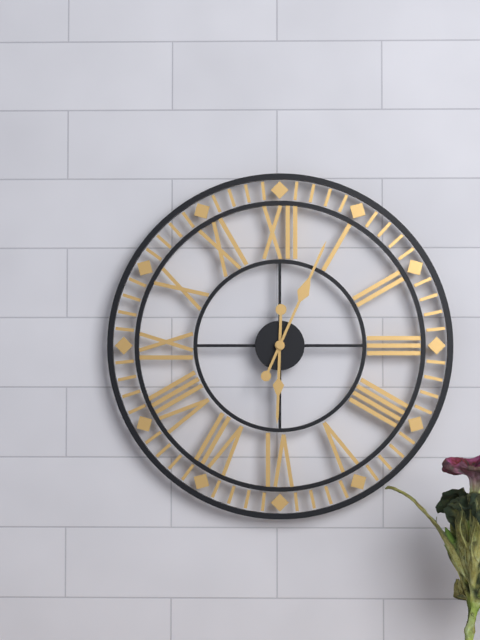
**6:04**
